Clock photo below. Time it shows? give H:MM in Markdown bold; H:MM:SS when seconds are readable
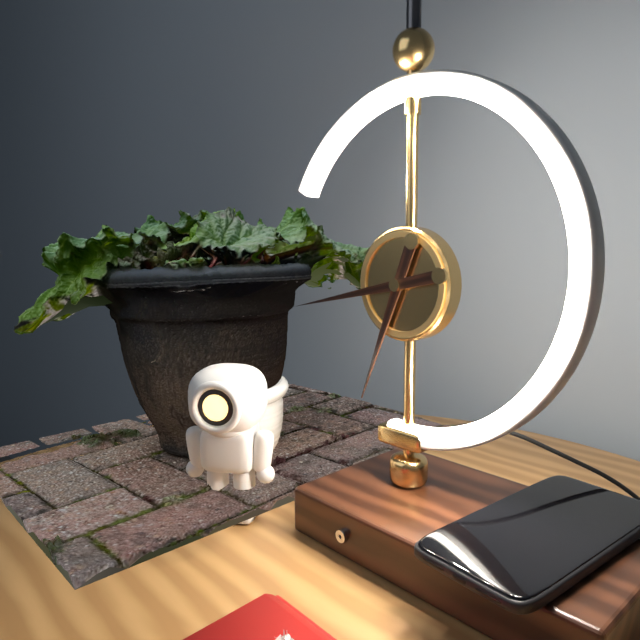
**6:43**
